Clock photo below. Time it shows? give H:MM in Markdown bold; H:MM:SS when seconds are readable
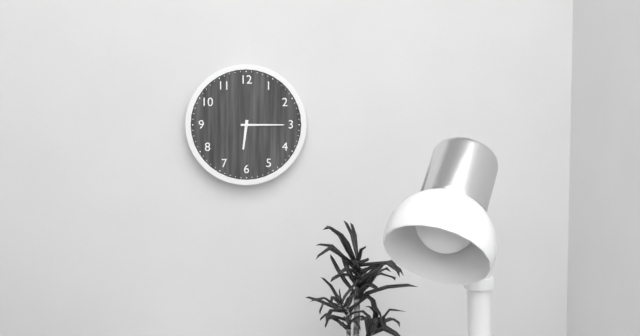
**6:15**
